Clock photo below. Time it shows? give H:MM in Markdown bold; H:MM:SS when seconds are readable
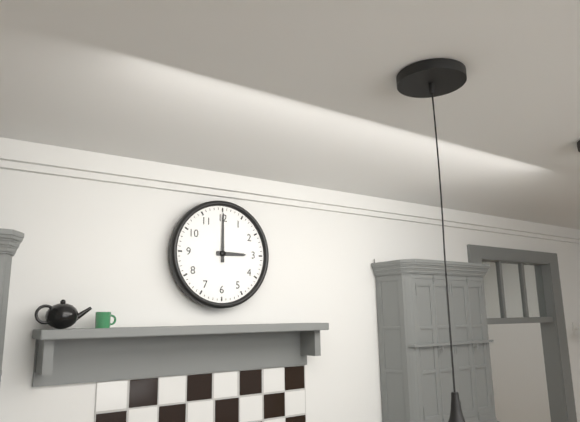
**3:00**
